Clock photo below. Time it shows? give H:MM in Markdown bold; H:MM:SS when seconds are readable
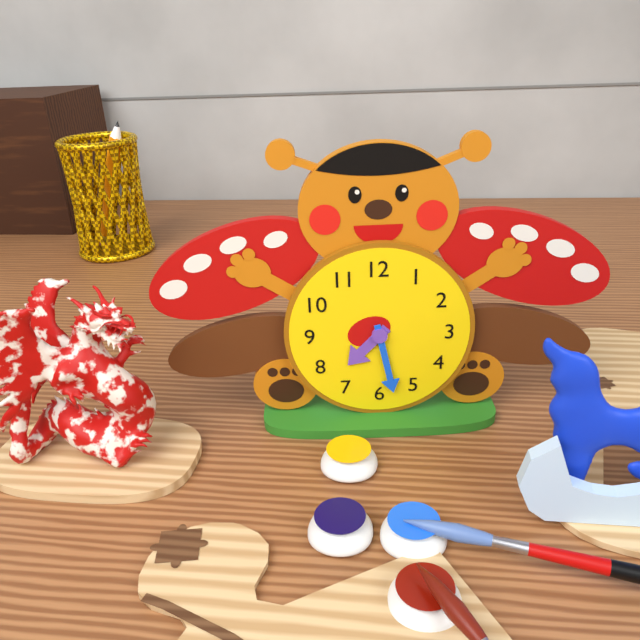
**7:28**
